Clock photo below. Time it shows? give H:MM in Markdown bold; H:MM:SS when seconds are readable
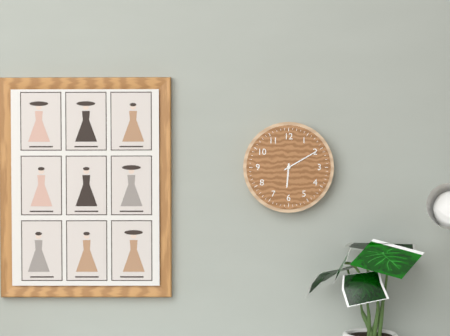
**6:10**
